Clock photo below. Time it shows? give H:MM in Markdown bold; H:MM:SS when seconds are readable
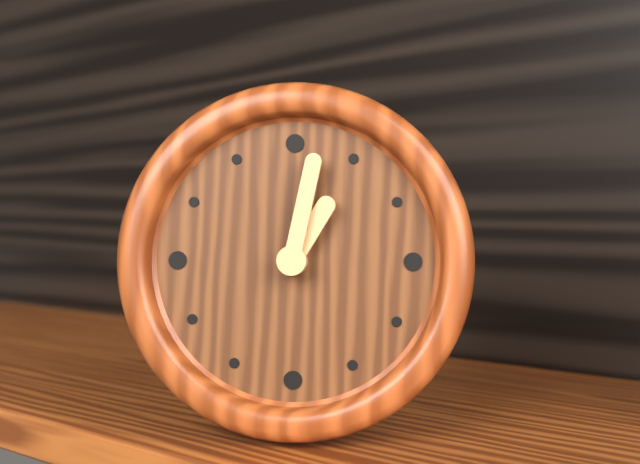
**1:02**
